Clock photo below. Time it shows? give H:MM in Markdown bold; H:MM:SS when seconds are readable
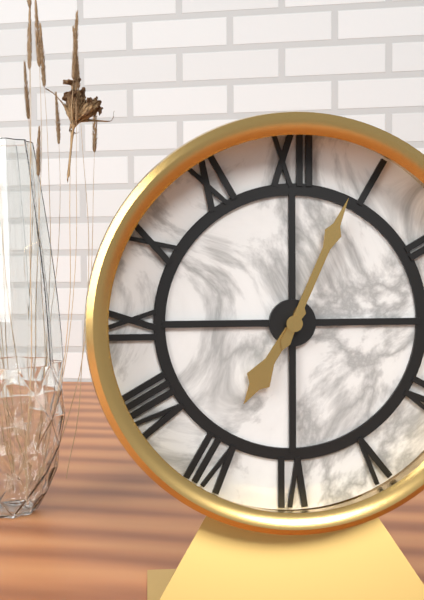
**7:04**
